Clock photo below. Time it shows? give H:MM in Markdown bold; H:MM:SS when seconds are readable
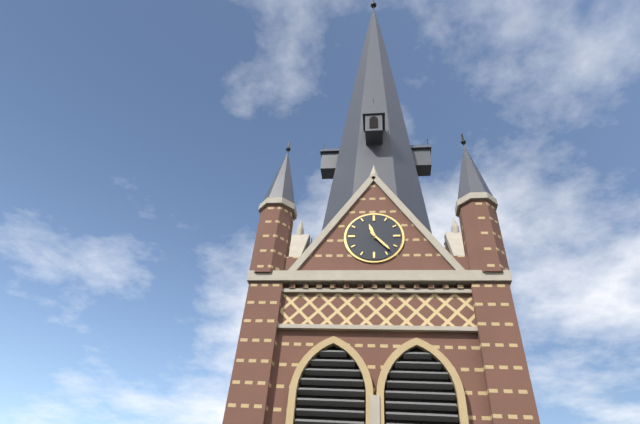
**11:23**
